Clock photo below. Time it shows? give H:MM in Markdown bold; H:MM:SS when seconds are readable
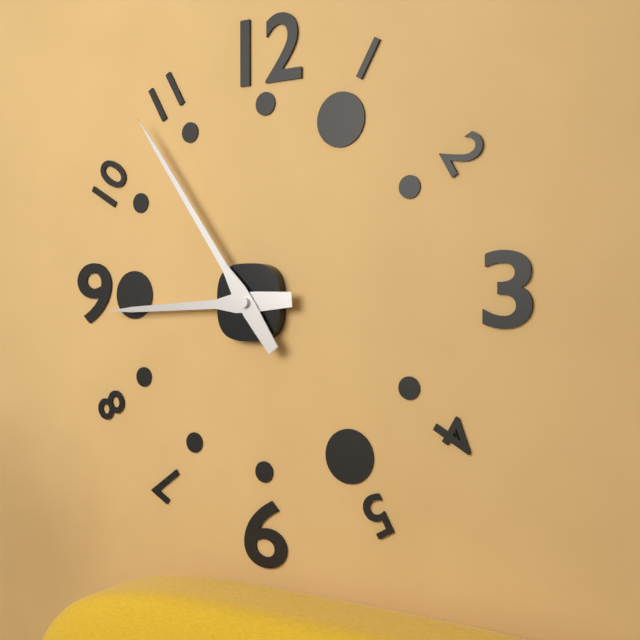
**8:54**
